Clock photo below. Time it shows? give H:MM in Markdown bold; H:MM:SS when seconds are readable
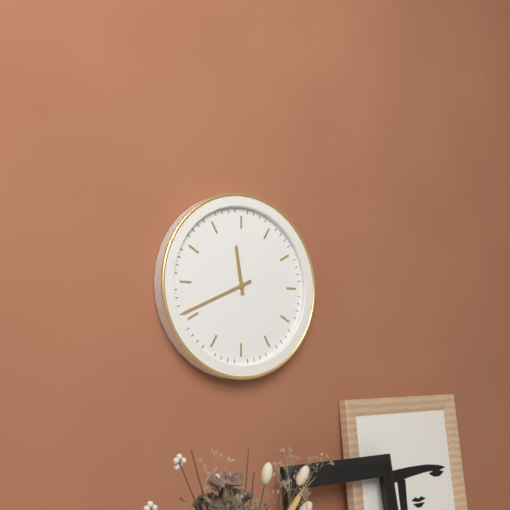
**11:41**
